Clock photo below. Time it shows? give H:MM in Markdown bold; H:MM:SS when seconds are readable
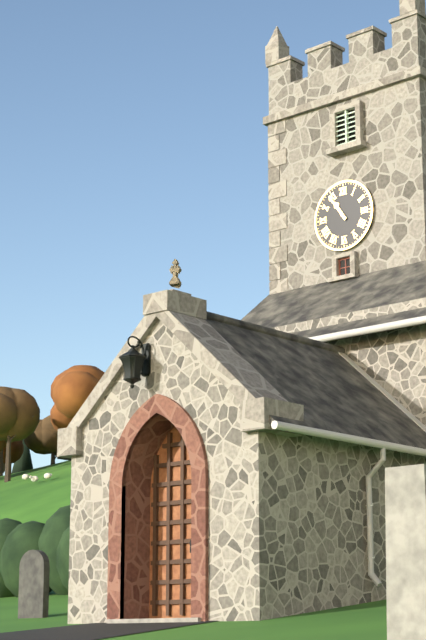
**10:54**
